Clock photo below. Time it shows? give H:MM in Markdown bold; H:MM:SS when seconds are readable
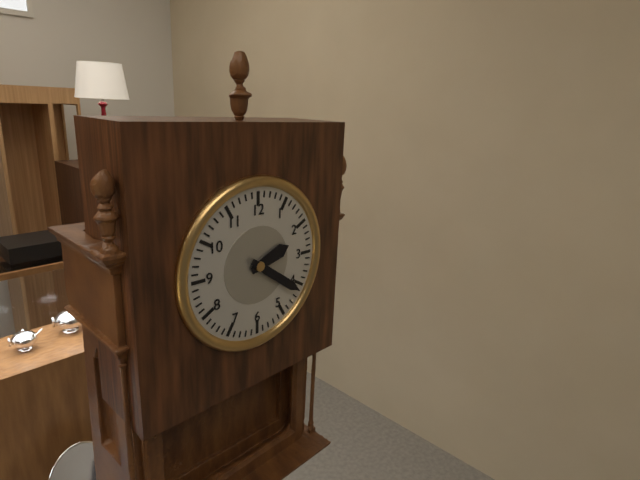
**2:21**
